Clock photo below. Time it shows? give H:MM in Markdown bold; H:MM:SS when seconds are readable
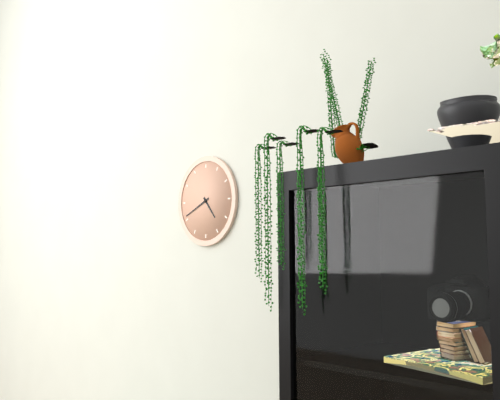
**4:41**
